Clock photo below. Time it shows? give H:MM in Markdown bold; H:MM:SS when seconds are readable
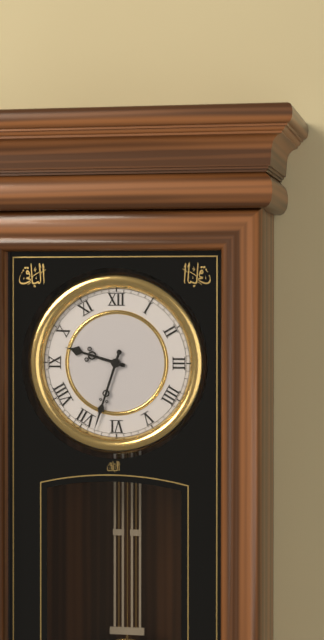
**9:33**
